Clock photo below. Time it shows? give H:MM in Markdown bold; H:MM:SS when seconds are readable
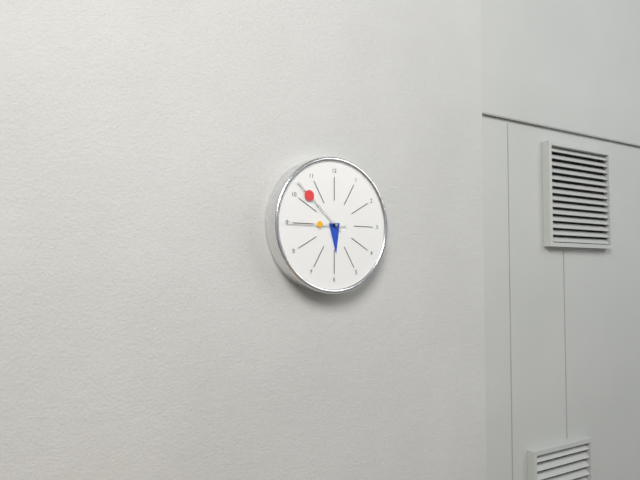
**5:52:45**
